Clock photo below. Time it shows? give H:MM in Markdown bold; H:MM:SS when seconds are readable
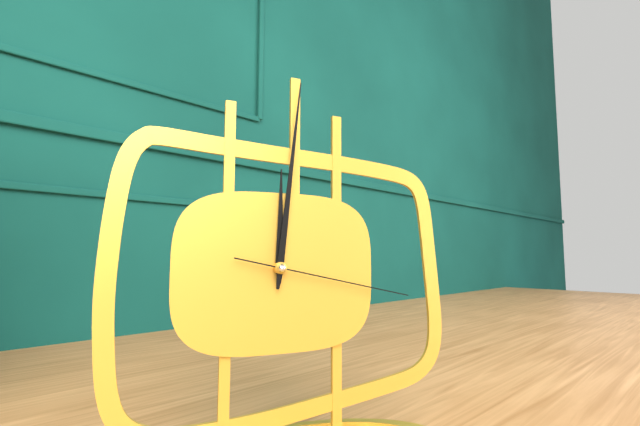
**12:01:17**
